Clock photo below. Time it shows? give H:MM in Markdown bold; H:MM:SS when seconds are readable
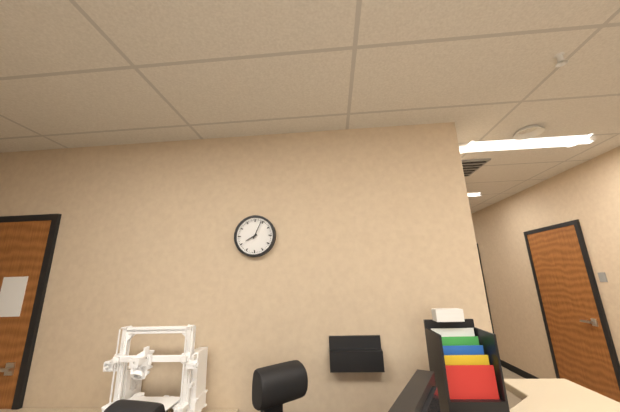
**8:04**
